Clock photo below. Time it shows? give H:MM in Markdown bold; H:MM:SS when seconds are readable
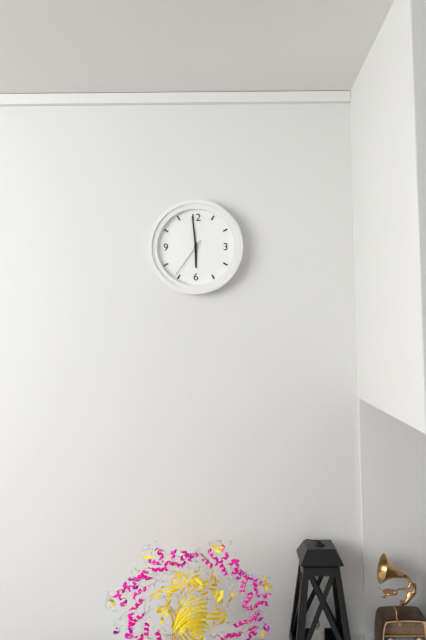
**5:59**
